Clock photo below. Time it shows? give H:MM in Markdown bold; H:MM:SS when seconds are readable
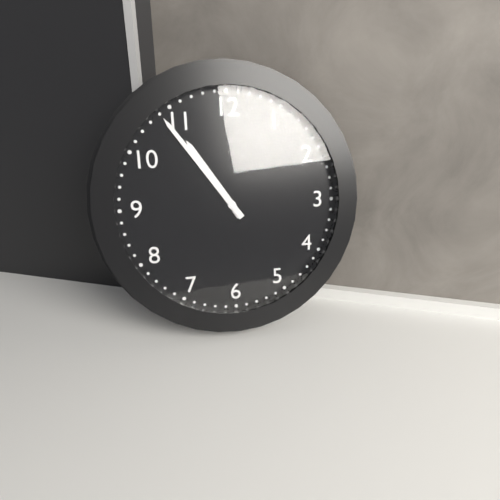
**10:54**
